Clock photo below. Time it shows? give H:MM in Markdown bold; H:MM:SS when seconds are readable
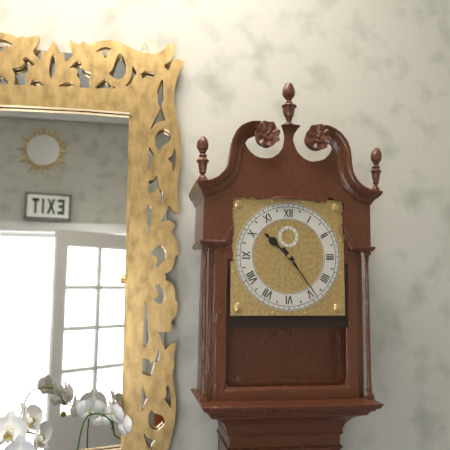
**10:24**
